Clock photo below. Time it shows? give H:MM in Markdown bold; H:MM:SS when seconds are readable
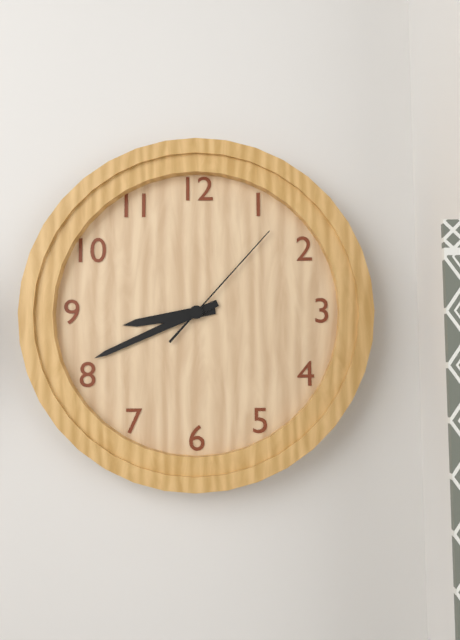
**8:41:07**
